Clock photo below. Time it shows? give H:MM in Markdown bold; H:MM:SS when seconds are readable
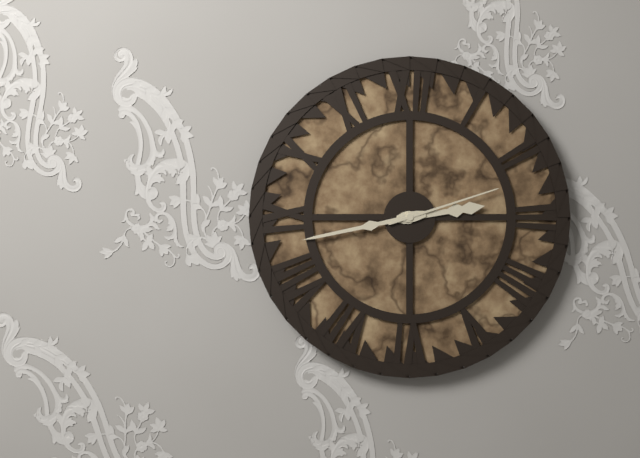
**2:43:12**
